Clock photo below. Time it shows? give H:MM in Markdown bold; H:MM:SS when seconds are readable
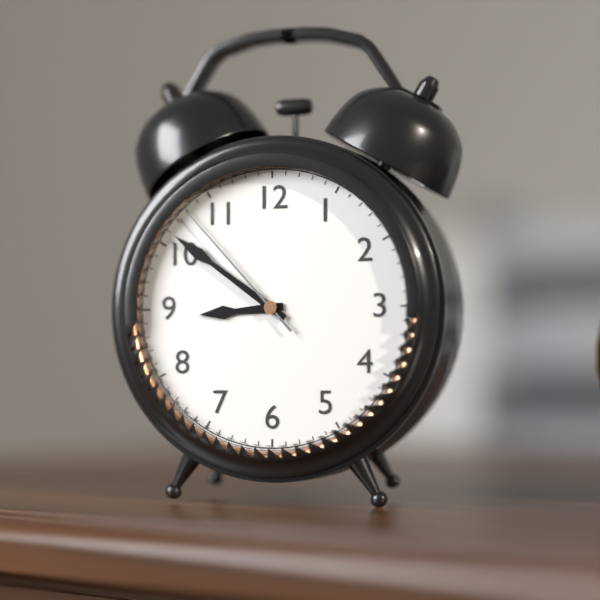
**8:51:53**
